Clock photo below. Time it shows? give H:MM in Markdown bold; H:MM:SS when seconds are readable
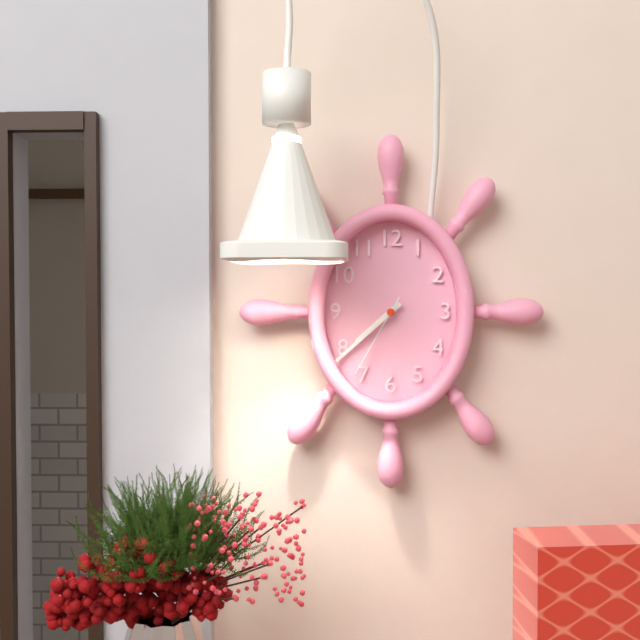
**7:38:35**
